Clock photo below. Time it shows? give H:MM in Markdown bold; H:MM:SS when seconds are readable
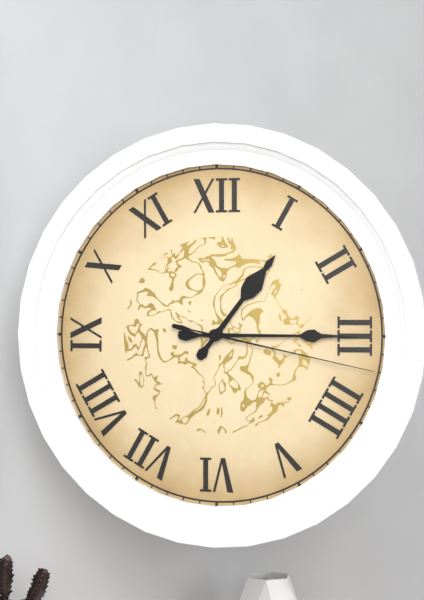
**1:15:17**
